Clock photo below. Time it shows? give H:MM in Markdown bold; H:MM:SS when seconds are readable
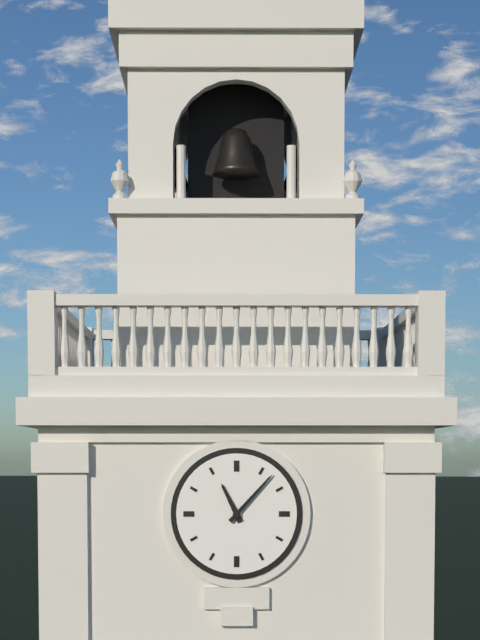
**11:07**
